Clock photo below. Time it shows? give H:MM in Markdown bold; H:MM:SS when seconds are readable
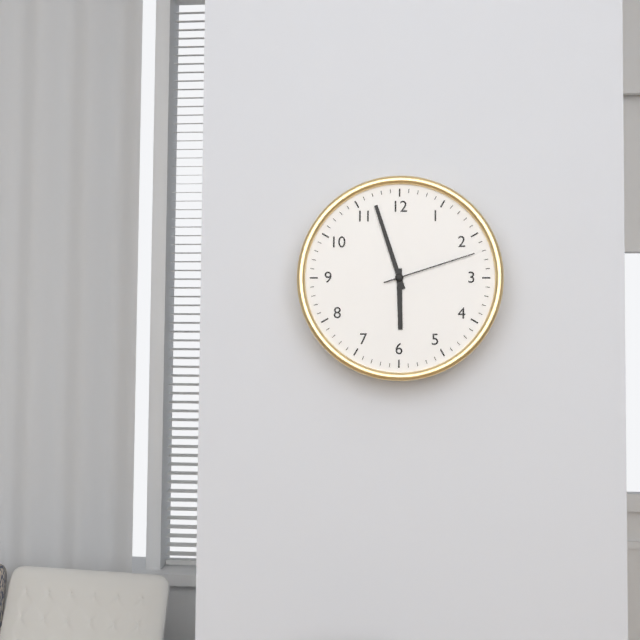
**5:57:12**
